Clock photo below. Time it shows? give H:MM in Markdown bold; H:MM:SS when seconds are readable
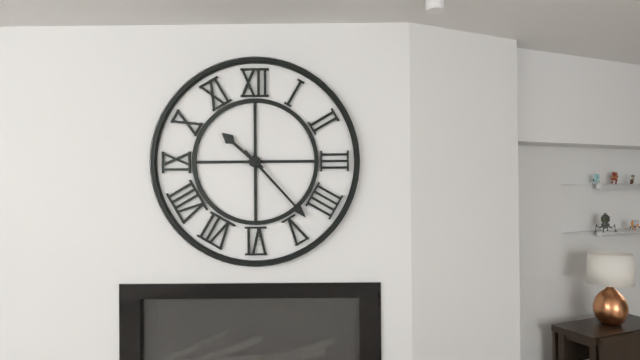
**10:23**
